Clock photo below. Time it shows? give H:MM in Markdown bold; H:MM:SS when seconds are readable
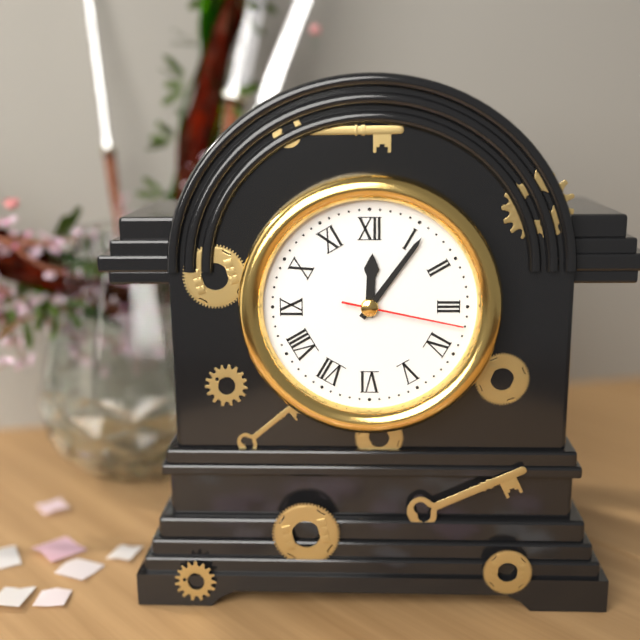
**12:06:17**
